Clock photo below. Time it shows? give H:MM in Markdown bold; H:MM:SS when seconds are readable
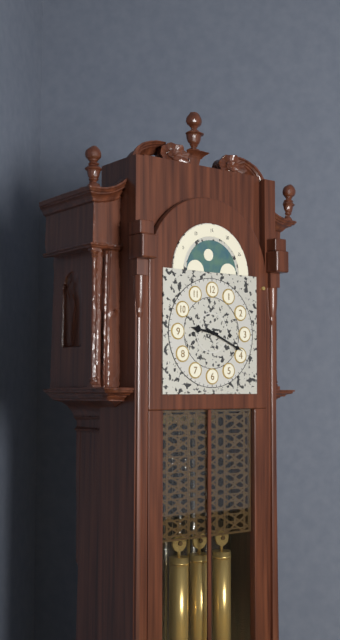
**9:19**
